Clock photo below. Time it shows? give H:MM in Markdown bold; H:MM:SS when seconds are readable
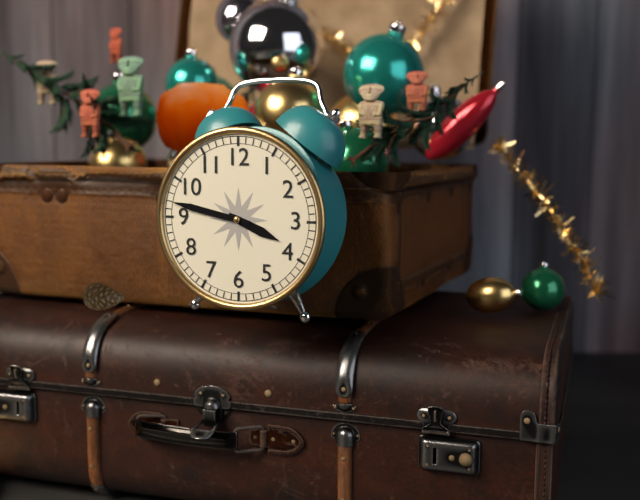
**3:47**
